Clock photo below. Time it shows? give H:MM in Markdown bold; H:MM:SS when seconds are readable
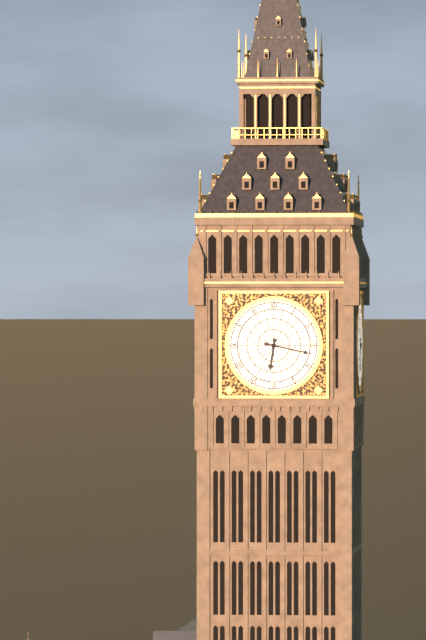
**6:17**
